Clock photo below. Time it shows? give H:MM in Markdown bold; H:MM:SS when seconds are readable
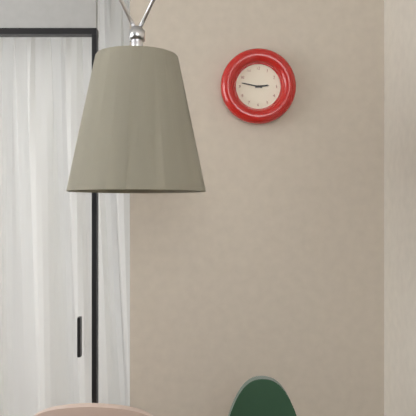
**2:47**
